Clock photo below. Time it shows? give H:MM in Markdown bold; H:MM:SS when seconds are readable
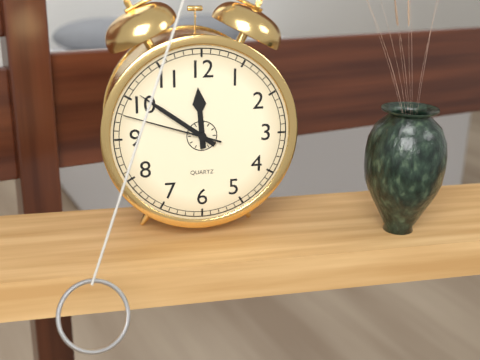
**11:51:48**
